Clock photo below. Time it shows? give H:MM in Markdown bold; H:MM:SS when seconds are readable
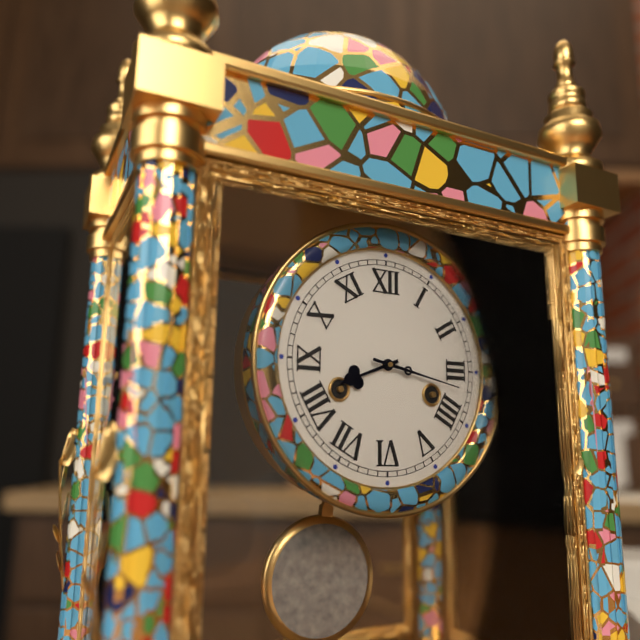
**8:17**
